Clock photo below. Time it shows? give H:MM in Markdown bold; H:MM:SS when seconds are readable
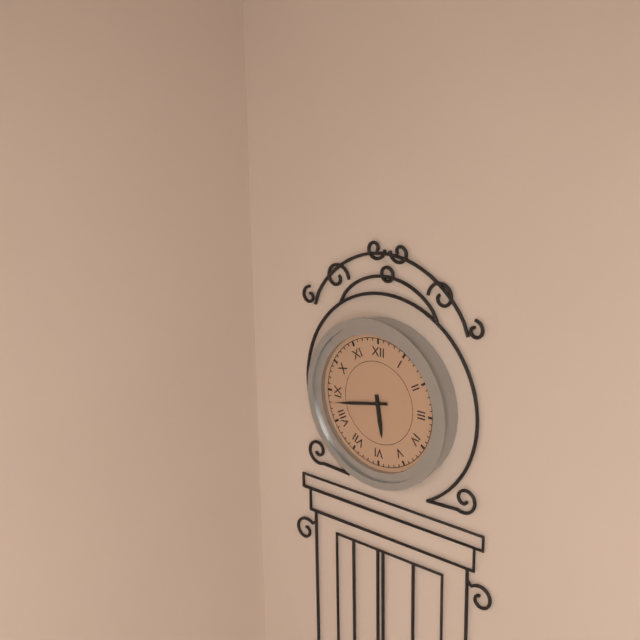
**5:43**
